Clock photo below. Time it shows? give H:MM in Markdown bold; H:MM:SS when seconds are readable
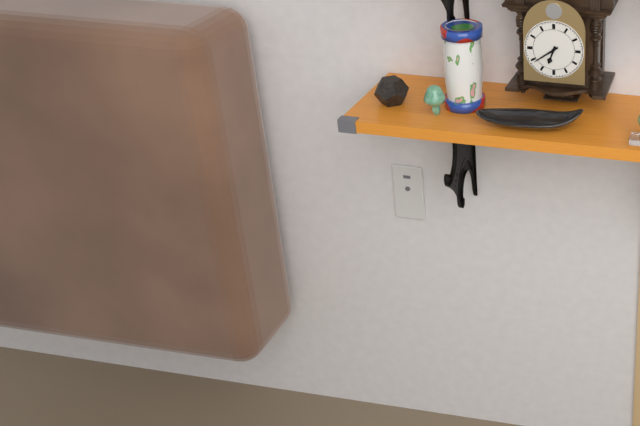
**6:39**
